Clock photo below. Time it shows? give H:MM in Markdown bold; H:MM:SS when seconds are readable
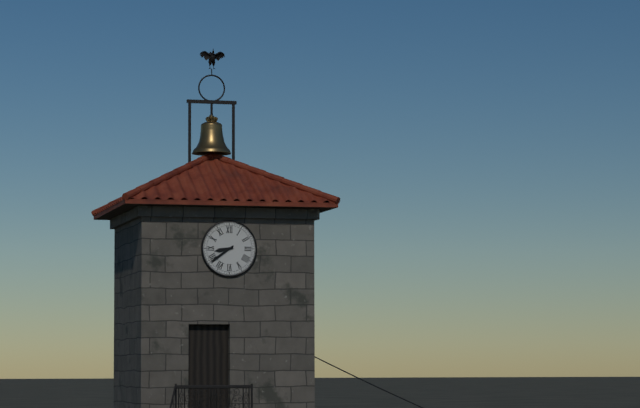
**8:39**
